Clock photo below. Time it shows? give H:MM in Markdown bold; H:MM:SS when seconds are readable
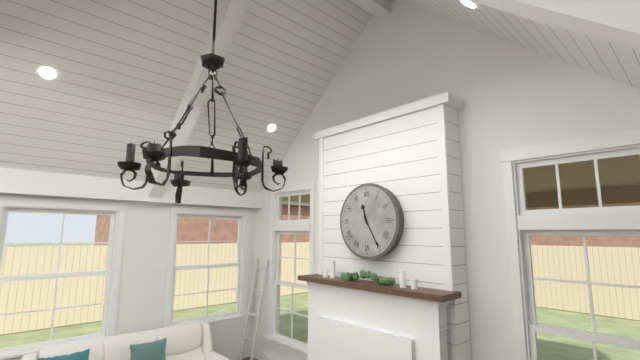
**11:25**
